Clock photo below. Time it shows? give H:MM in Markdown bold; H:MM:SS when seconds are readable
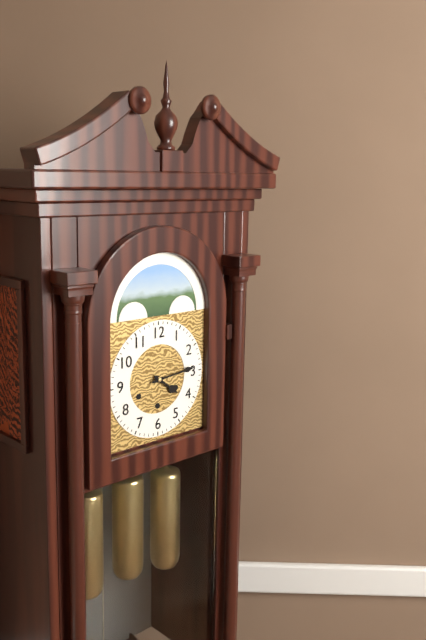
**4:14**
